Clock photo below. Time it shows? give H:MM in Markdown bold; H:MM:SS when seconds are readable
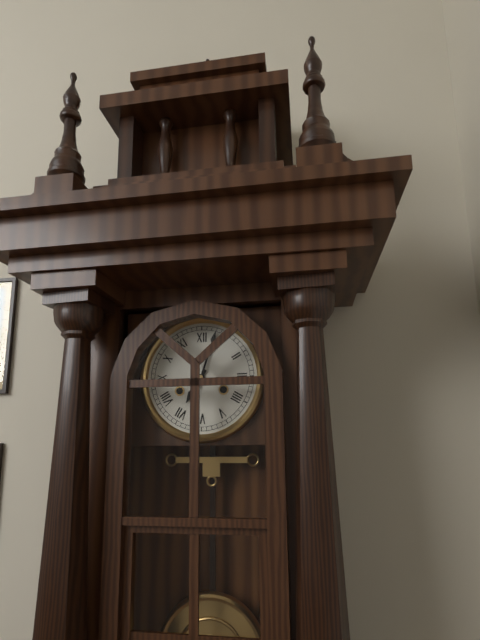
**7:03**
